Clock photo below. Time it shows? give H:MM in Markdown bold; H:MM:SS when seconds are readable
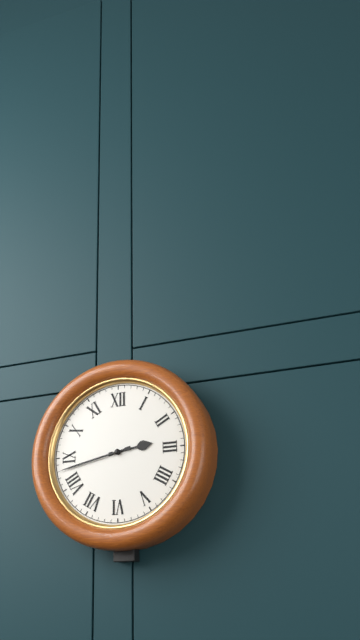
**2:43**
